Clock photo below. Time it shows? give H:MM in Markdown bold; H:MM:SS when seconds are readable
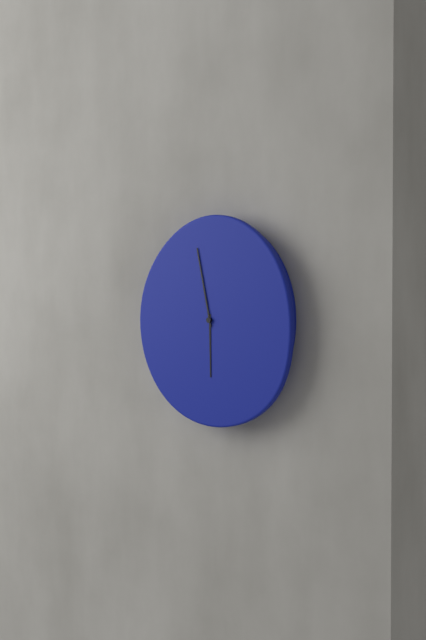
**5:58**
